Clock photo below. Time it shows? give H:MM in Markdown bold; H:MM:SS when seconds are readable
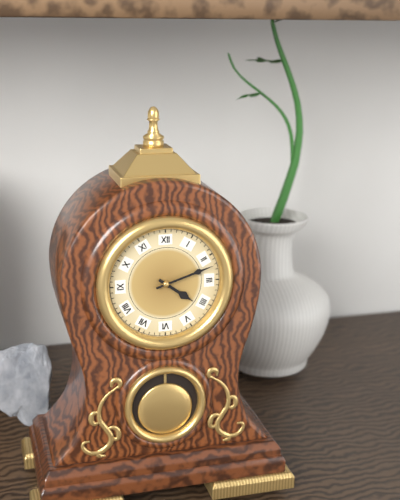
**4:12**
